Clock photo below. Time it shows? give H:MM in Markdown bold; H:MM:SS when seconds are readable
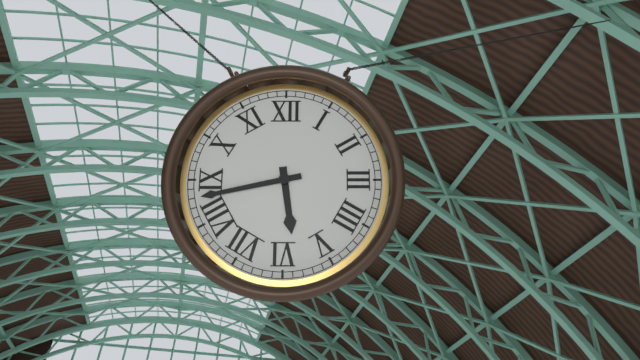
**5:43**
